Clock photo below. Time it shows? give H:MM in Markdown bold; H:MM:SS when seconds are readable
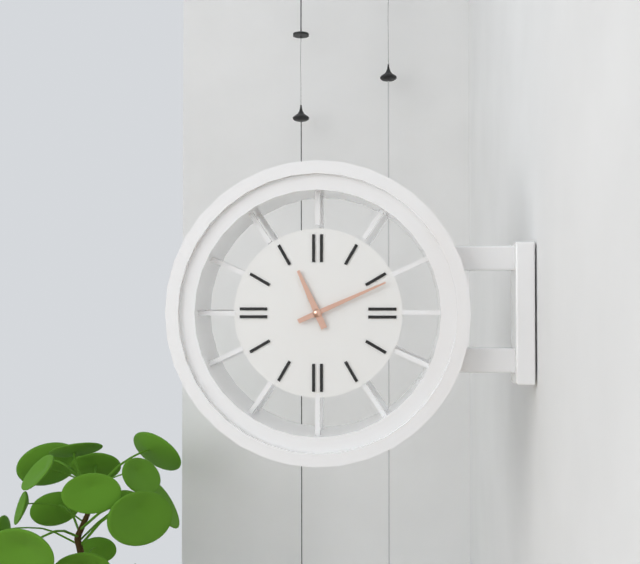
**11:11**
